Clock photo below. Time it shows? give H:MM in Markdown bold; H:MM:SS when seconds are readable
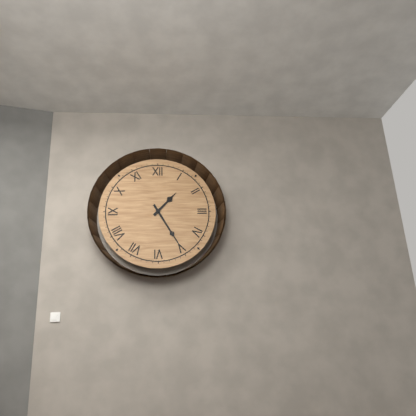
**1:25**
